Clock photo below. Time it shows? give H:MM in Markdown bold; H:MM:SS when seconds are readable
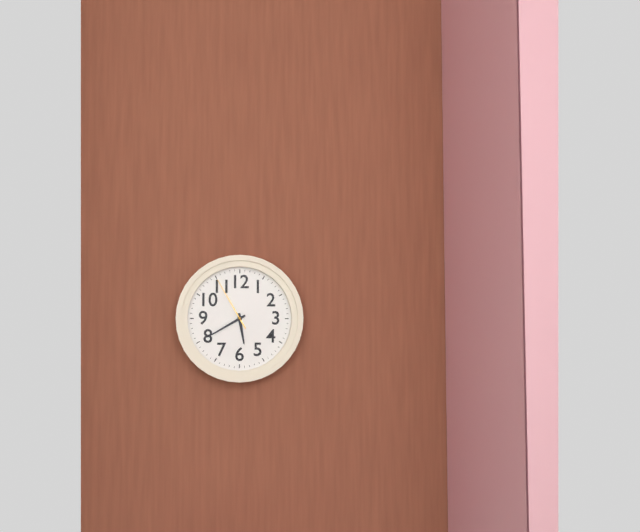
**5:40:55**
